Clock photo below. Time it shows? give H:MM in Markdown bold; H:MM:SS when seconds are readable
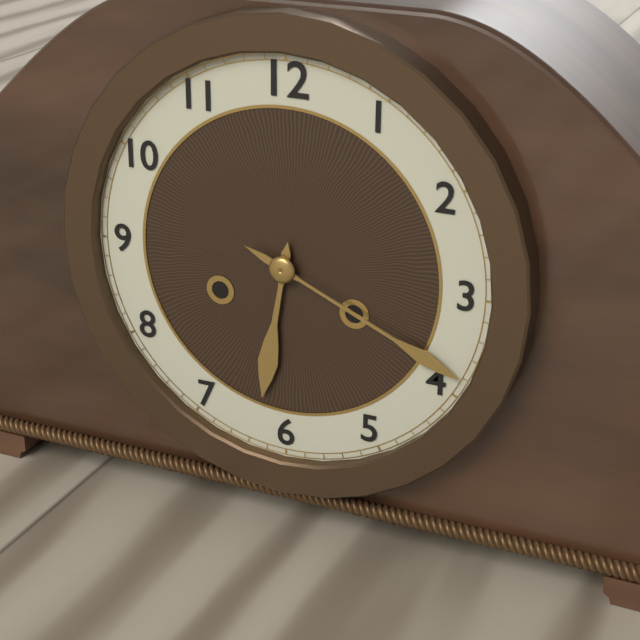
**6:19**
